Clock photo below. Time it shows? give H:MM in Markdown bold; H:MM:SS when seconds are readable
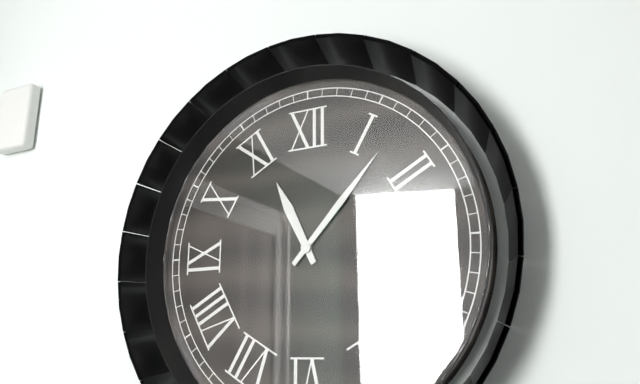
**11:07**
